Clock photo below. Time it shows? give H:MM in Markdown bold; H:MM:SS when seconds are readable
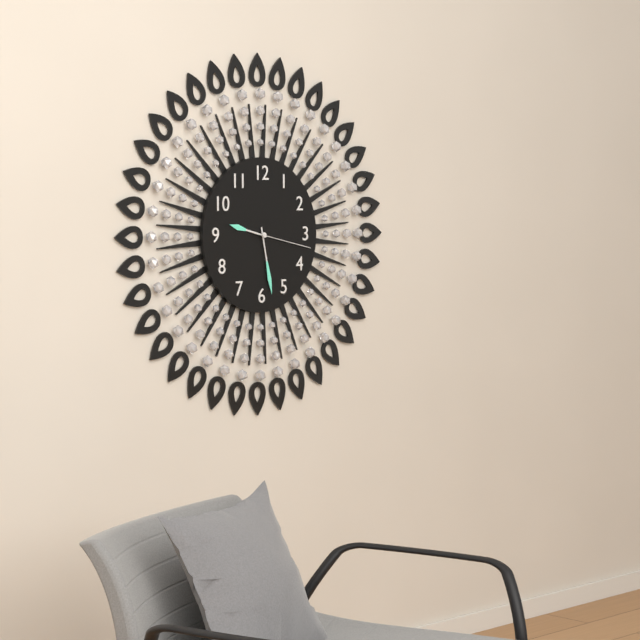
**9:28:17**
